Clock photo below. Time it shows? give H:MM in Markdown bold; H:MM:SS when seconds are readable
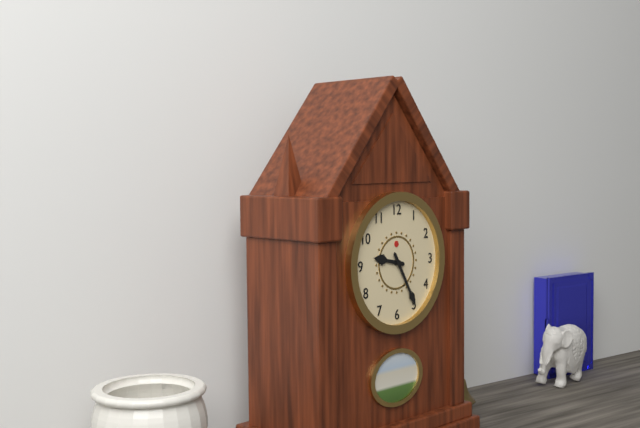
**9:25**
